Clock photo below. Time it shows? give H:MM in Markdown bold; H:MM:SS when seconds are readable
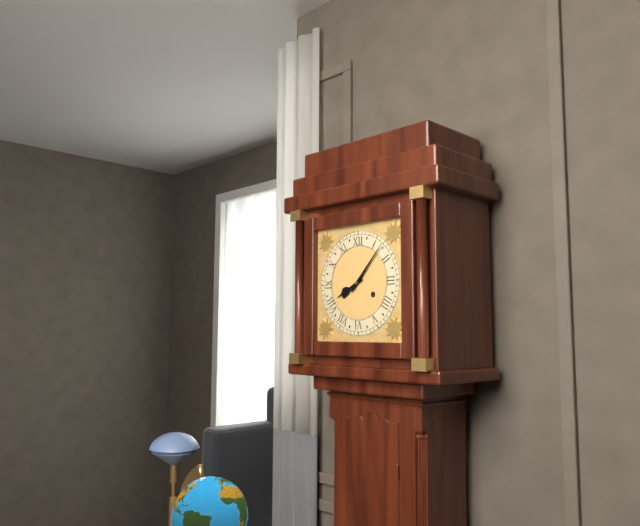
**8:07**
